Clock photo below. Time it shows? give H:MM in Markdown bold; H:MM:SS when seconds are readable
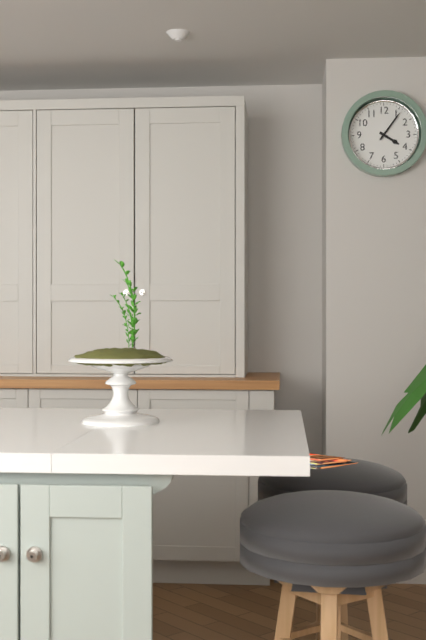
**4:06**
